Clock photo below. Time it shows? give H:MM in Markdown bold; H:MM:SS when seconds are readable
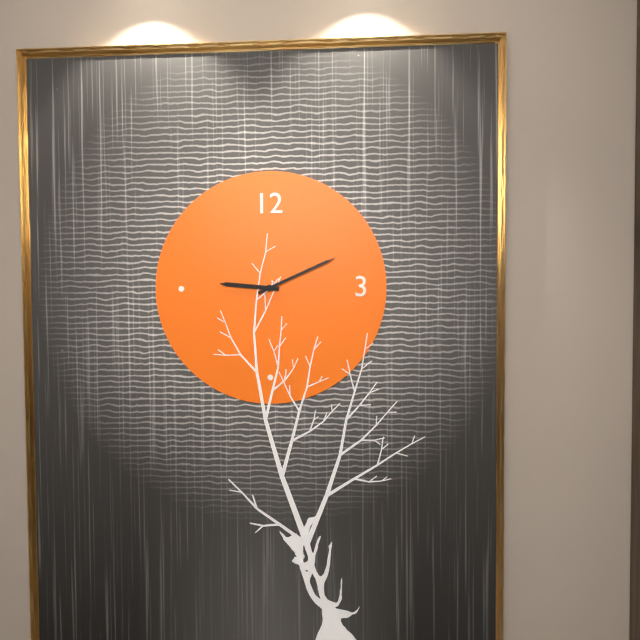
**9:11**
